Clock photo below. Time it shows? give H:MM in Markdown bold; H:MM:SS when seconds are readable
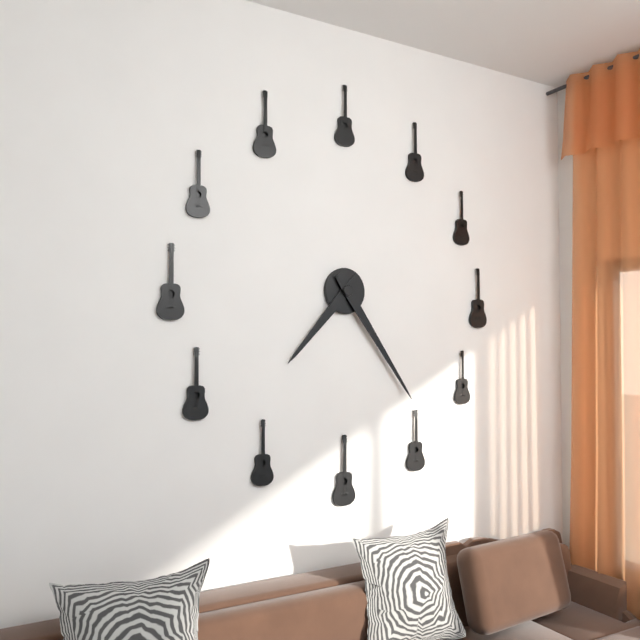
**7:24**
